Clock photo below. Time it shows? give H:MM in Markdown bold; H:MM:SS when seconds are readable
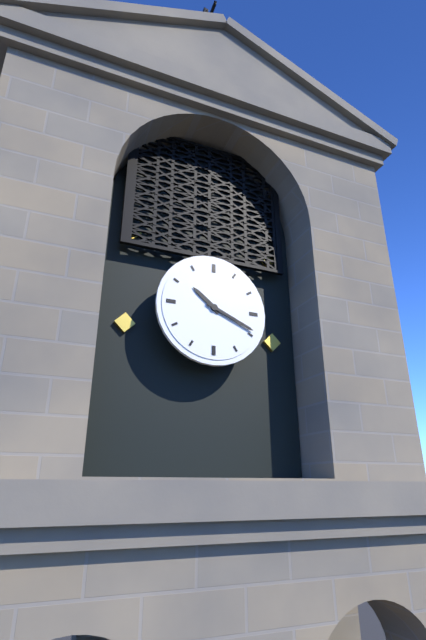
**10:19**
